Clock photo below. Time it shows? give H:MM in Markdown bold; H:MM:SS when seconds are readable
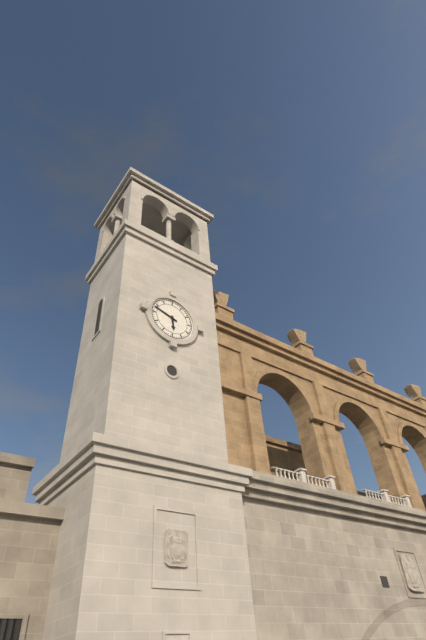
**5:48**
